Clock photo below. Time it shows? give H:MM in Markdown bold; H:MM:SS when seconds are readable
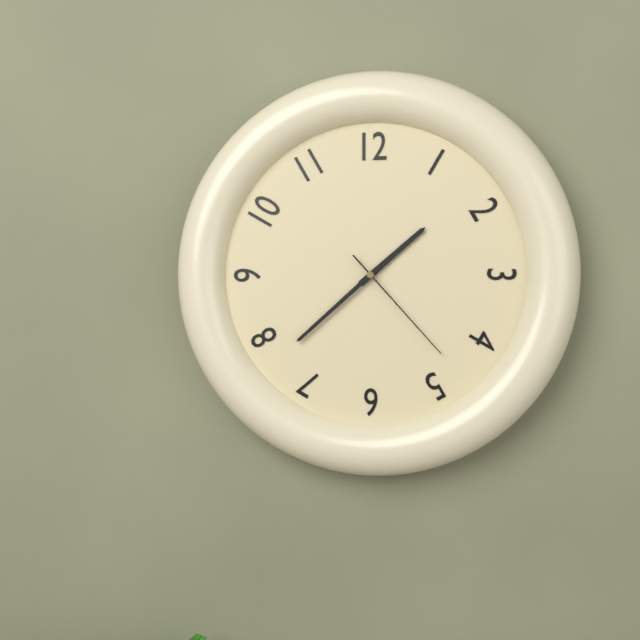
**1:38:23**
